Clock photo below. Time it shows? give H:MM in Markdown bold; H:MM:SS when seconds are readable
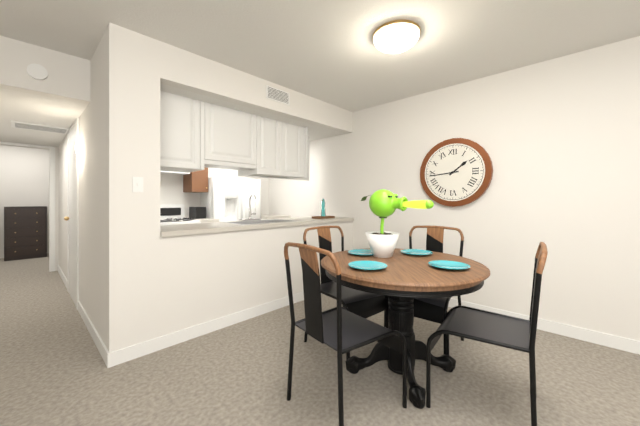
**1:44**
